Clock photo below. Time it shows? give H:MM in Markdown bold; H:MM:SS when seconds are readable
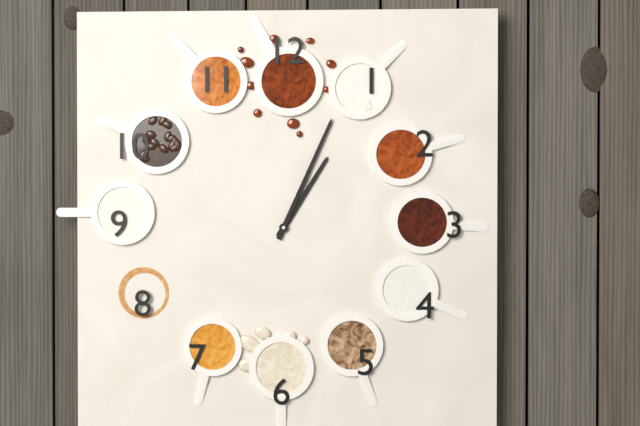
**1:04**
